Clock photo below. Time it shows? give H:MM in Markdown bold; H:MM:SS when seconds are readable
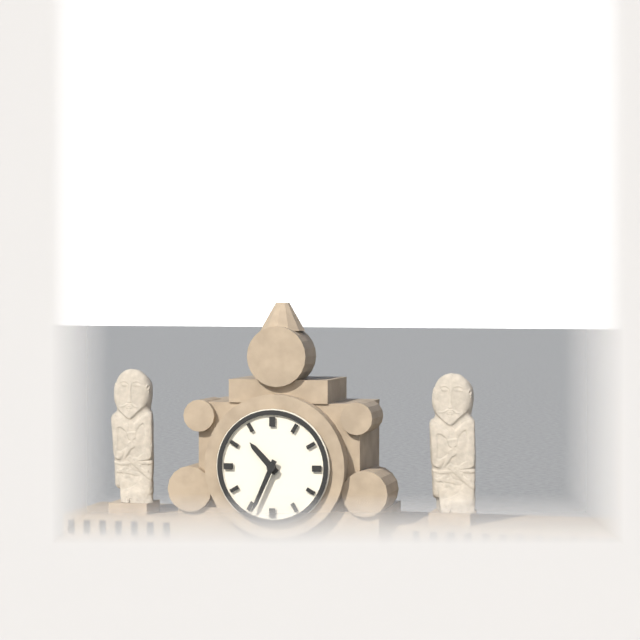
**10:34**
